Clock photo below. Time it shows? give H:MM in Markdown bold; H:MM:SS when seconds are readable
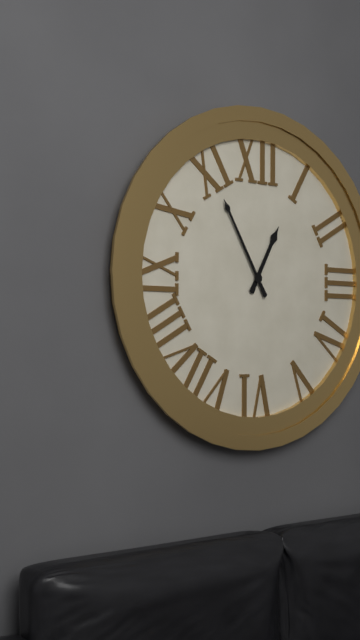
**12:55**
